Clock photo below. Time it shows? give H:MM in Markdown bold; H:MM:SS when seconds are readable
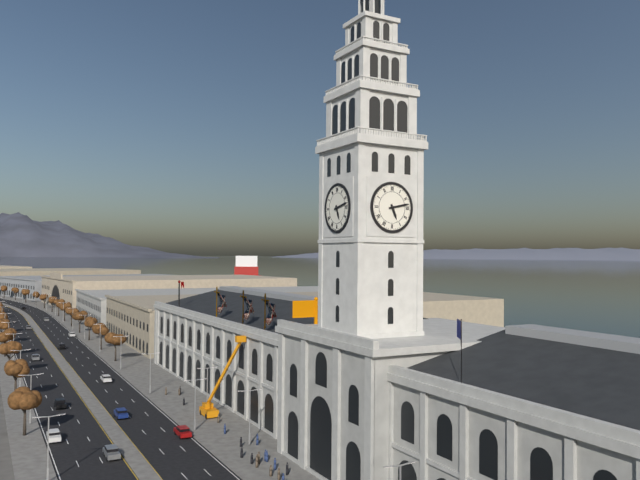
**5:13**
